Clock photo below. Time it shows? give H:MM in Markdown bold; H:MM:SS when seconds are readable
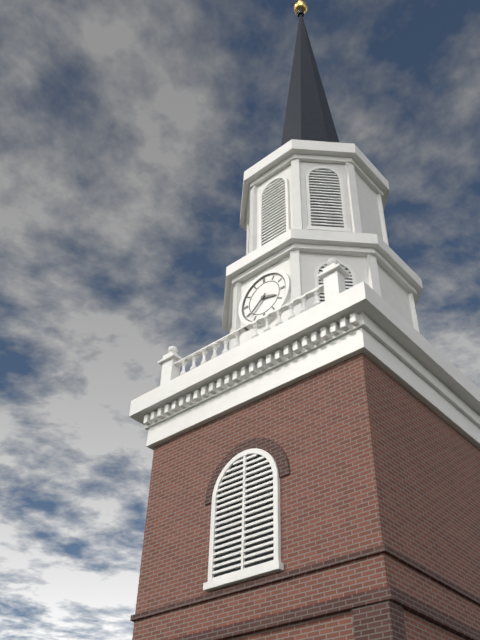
**3:38**
